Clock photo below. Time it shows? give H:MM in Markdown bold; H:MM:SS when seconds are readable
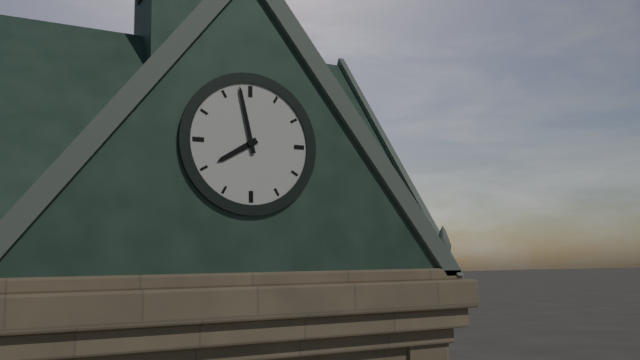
**7:58**
